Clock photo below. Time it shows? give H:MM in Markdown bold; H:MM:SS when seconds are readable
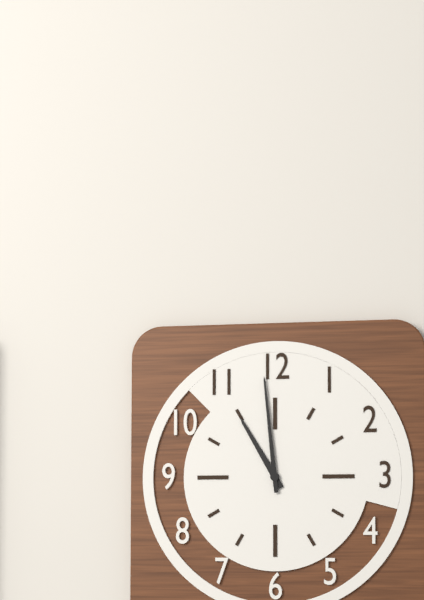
**10:59**
